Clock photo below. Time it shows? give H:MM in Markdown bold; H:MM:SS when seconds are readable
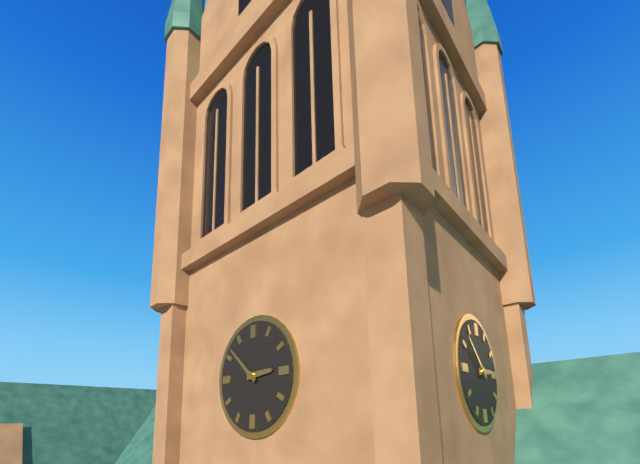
**2:52**
